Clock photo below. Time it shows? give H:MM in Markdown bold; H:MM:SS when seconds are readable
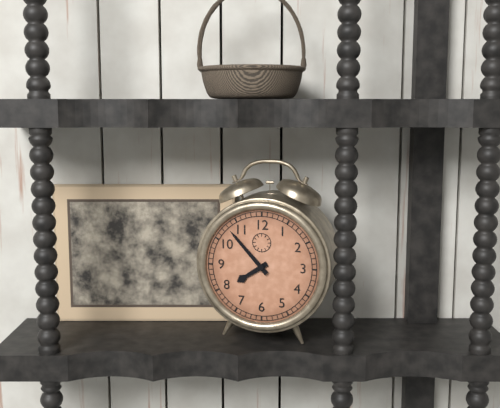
**7:53**
